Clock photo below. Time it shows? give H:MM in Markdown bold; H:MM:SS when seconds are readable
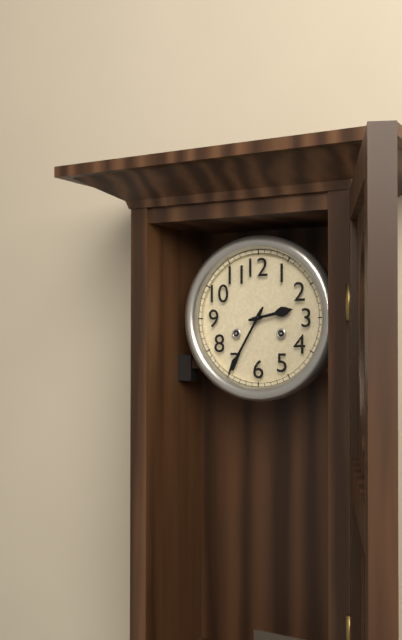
**2:35**
